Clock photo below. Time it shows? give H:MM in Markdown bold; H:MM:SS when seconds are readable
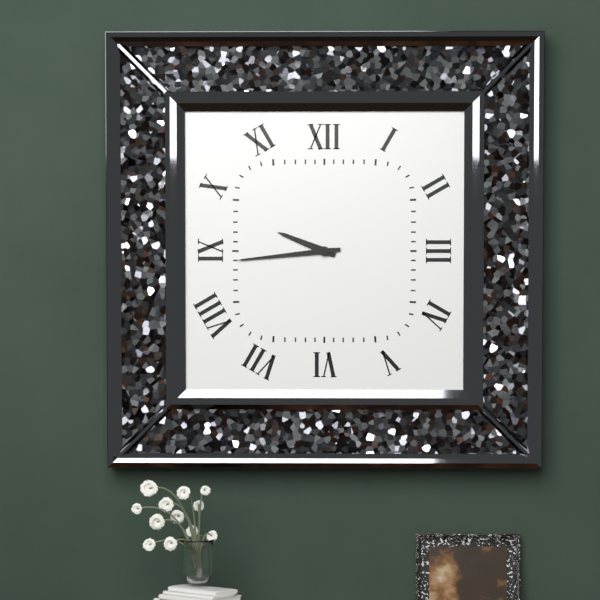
**9:44**
